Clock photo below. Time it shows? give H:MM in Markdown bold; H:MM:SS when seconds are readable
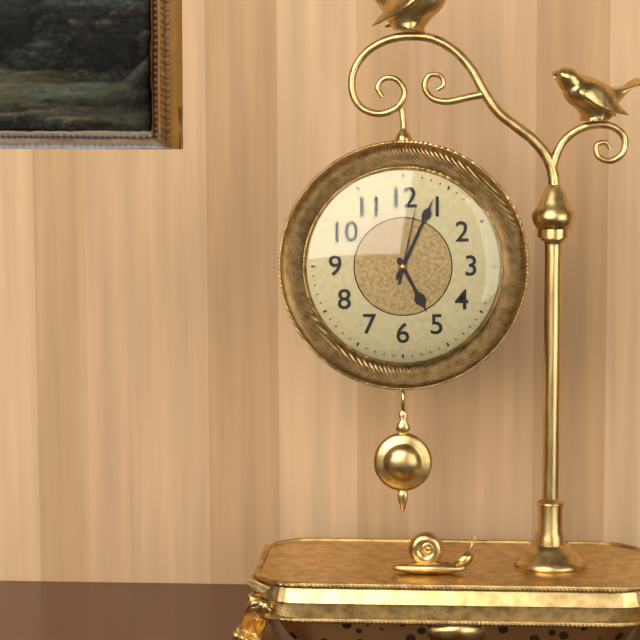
**5:04:02**
